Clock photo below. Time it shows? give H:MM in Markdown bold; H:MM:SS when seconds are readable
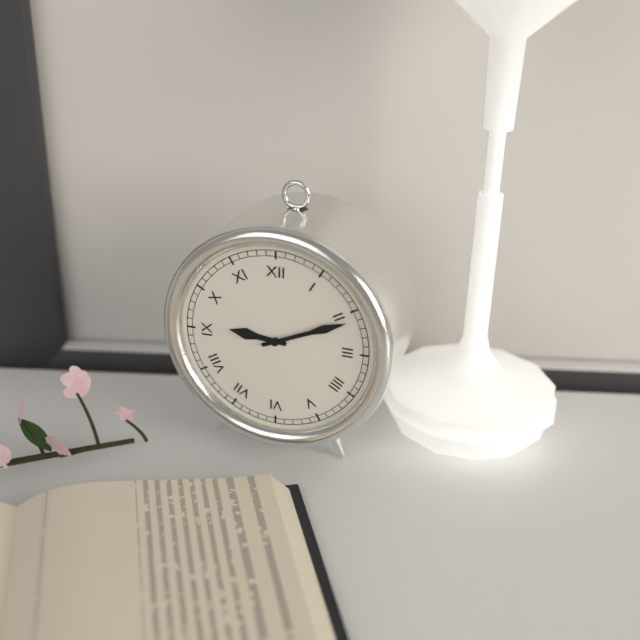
**9:11**
